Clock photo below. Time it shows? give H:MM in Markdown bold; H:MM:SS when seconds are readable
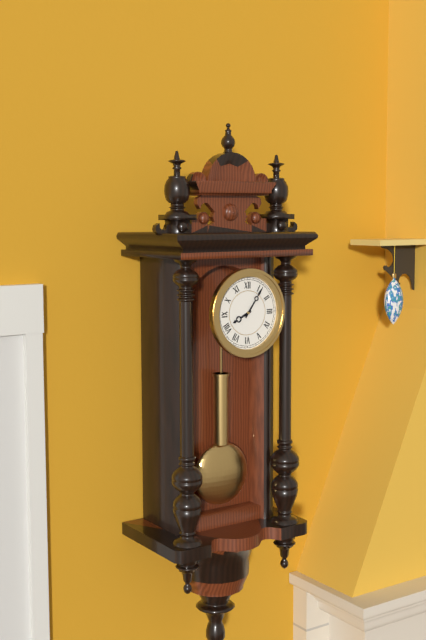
**8:06**
